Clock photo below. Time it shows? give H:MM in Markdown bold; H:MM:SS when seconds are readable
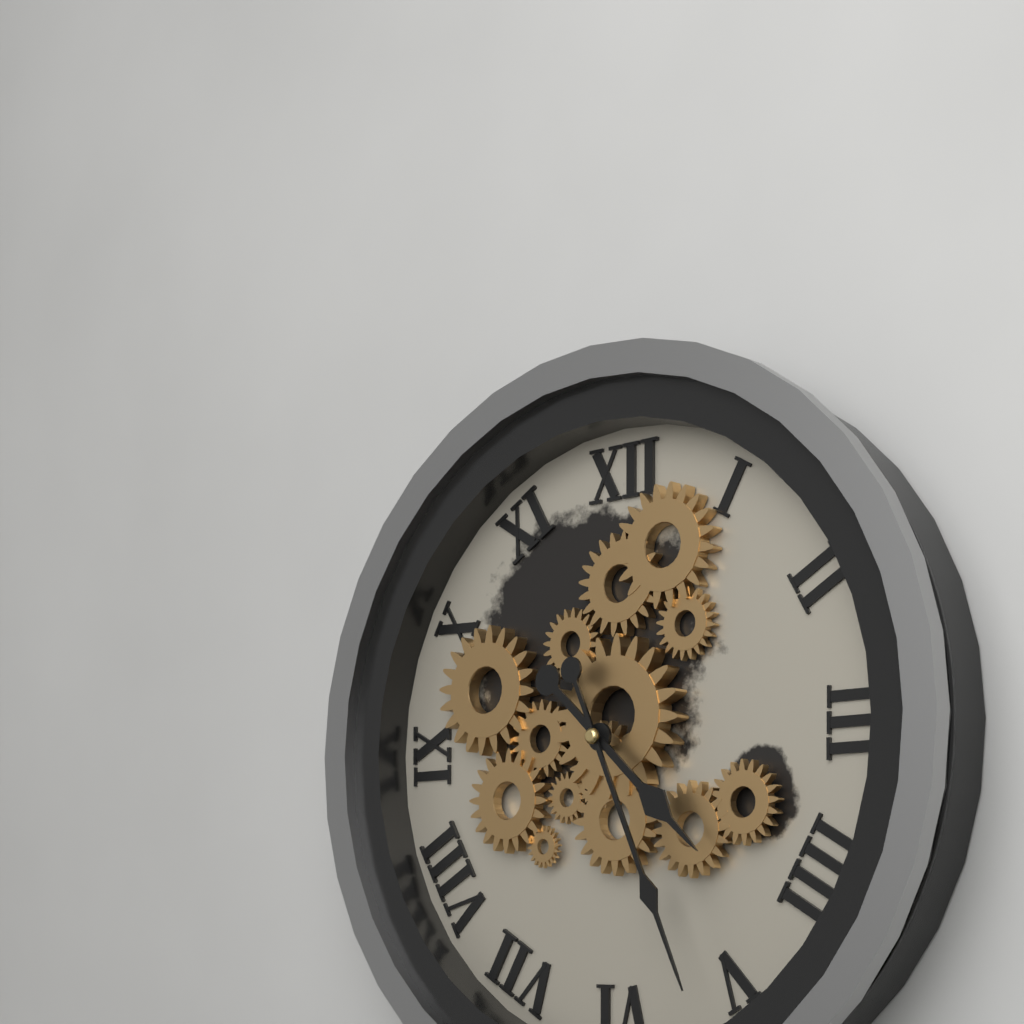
**4:26**
